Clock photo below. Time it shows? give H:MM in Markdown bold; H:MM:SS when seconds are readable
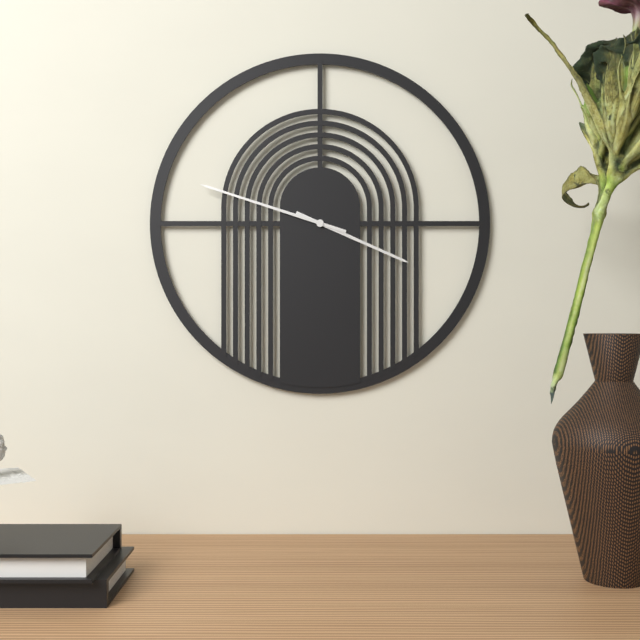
**3:48**
